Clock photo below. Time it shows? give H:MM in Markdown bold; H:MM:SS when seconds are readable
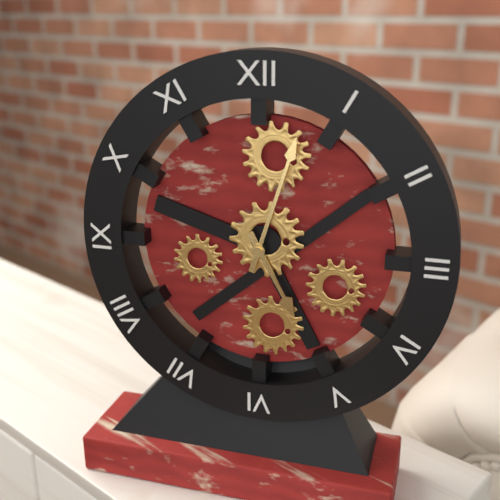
**5:03**
